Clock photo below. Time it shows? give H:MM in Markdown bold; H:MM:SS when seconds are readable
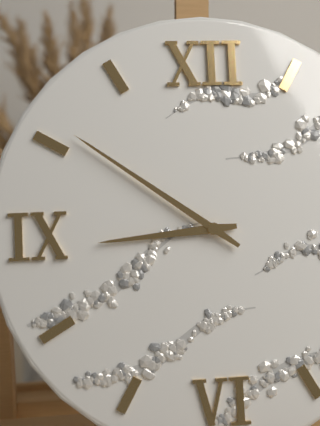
**8:51**
